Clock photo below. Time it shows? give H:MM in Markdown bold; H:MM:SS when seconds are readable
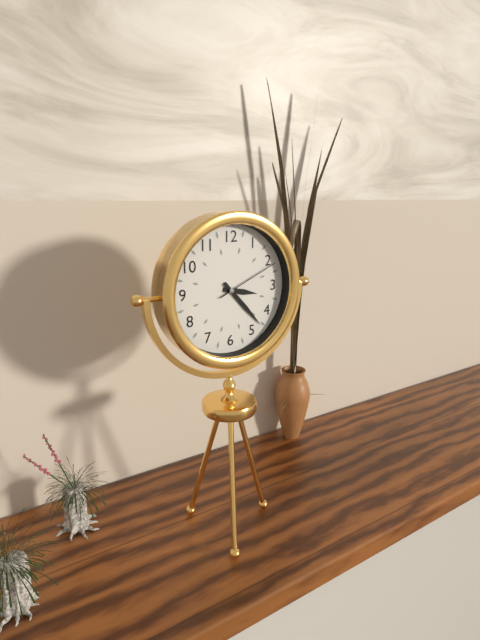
**3:23:11**
